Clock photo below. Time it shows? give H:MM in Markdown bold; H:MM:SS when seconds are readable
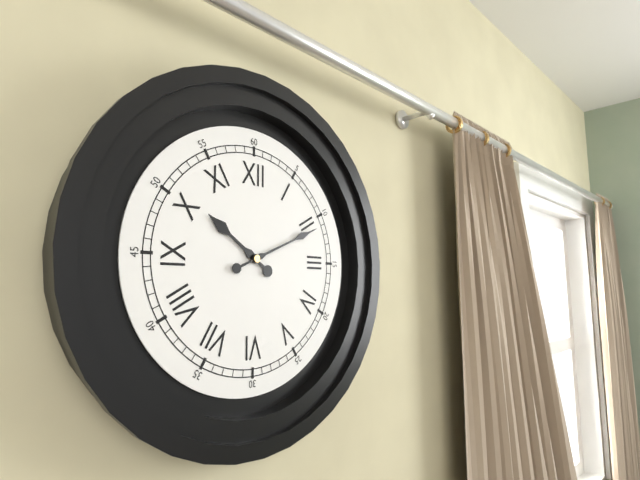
**10:11**
